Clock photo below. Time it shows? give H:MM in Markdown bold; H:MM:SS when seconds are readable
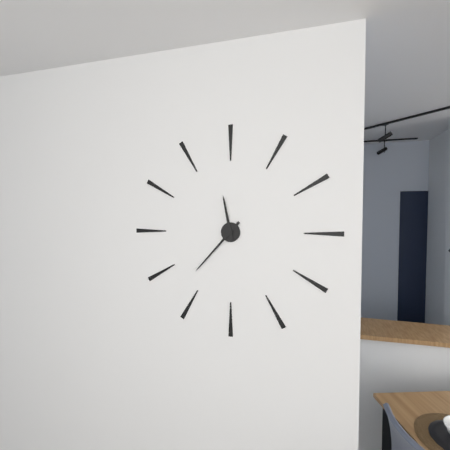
**11:37**
